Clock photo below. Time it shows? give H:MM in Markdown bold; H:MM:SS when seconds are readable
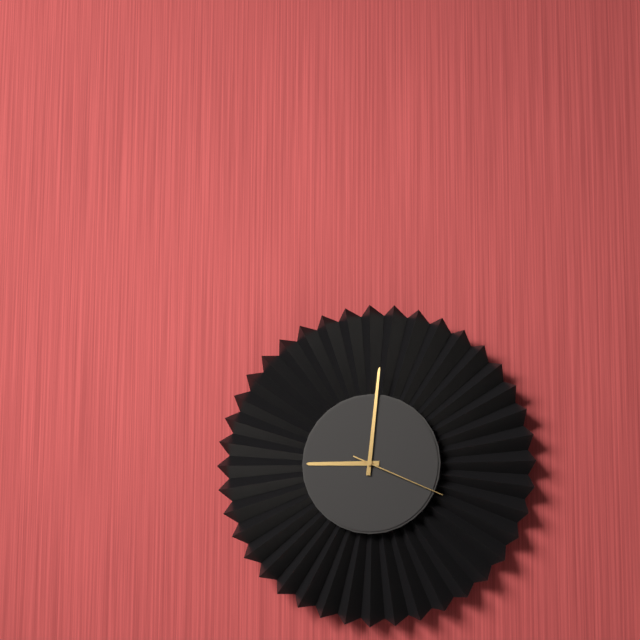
**9:01:19**
